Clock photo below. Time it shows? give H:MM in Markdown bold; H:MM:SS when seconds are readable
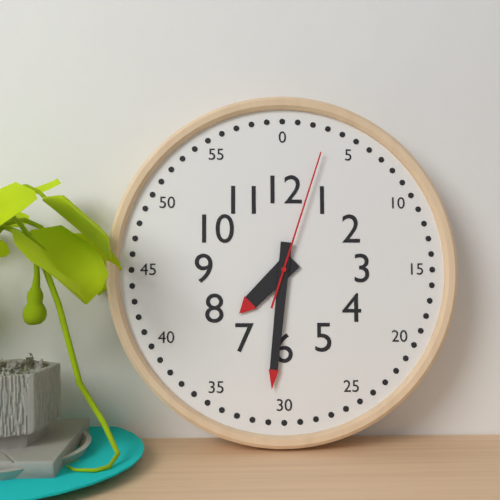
**7:31:03**
